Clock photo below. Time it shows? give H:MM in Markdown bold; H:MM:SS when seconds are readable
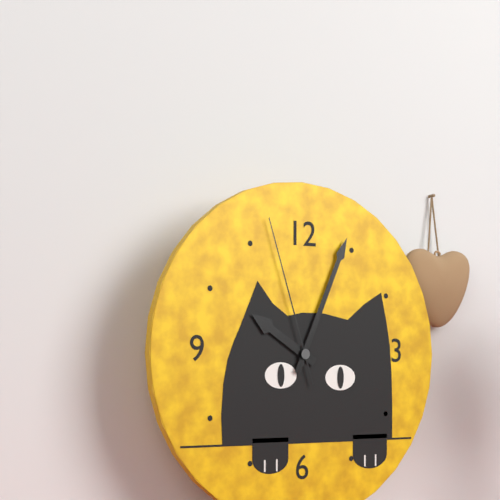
**10:04:57**
